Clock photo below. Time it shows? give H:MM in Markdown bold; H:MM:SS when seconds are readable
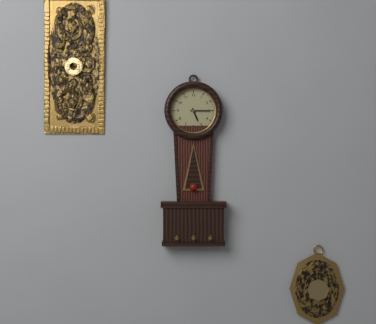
**5:15**
